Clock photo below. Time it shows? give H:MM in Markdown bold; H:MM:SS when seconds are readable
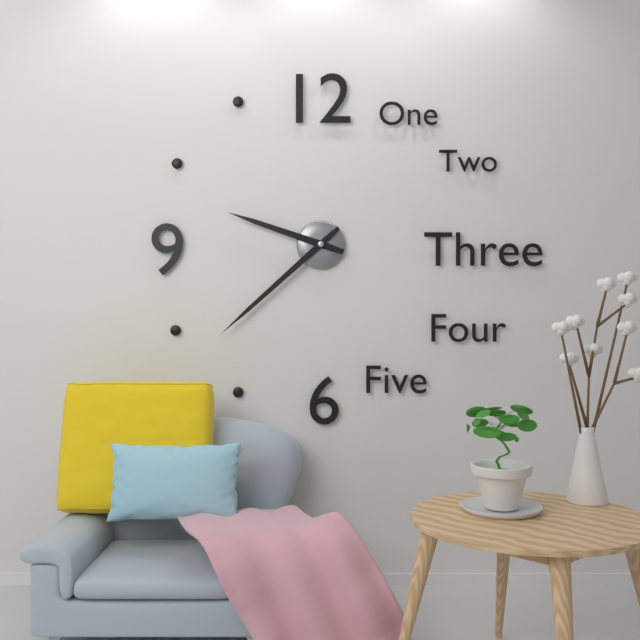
**9:38**
